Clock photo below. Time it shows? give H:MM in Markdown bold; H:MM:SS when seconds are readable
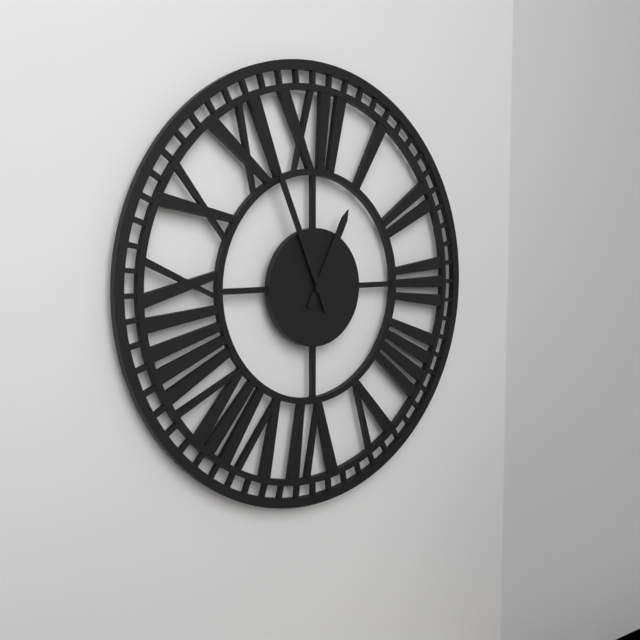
**12:56**
